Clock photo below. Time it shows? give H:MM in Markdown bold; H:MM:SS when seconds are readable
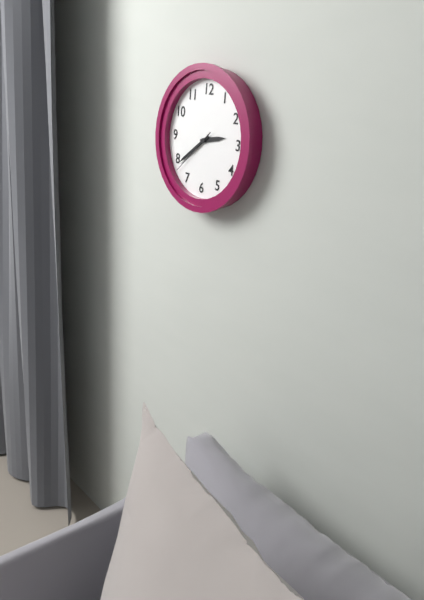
**2:39:38**
